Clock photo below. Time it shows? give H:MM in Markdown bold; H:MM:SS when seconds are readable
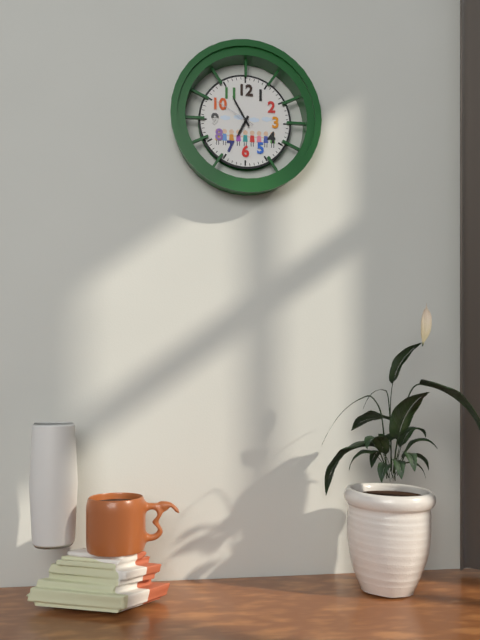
**6:55**
